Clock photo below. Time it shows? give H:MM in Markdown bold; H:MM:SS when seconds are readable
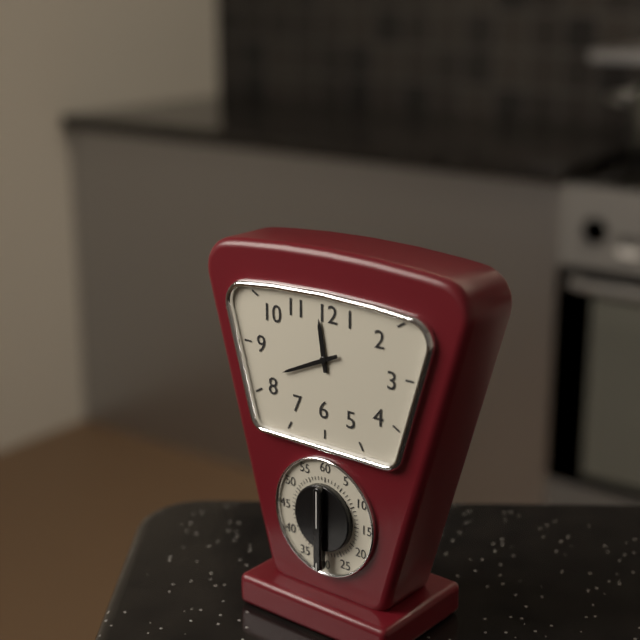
**11:41**
